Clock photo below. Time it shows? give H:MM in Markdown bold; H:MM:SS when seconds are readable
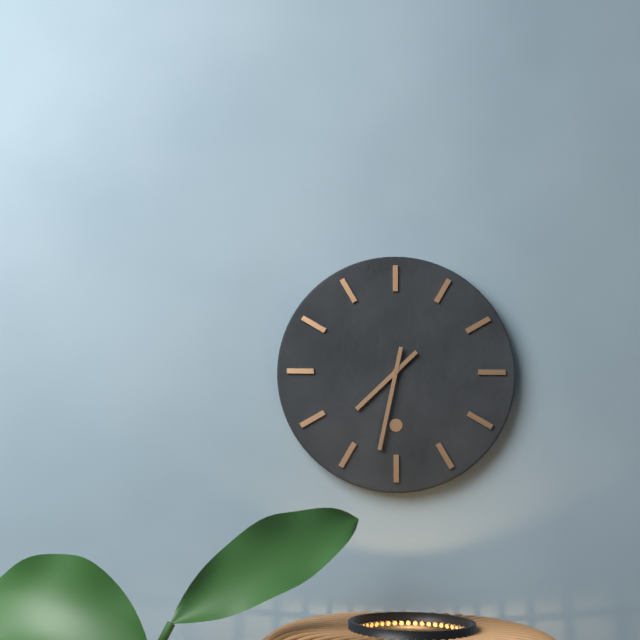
**7:32**
